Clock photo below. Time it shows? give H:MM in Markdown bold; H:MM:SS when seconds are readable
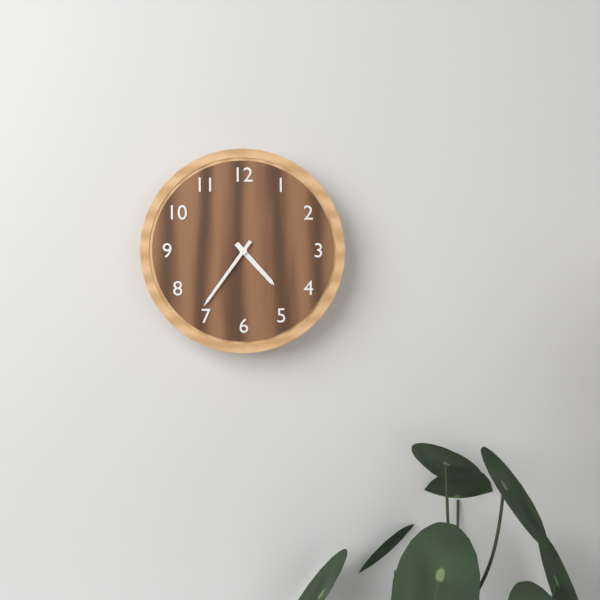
**4:36**
